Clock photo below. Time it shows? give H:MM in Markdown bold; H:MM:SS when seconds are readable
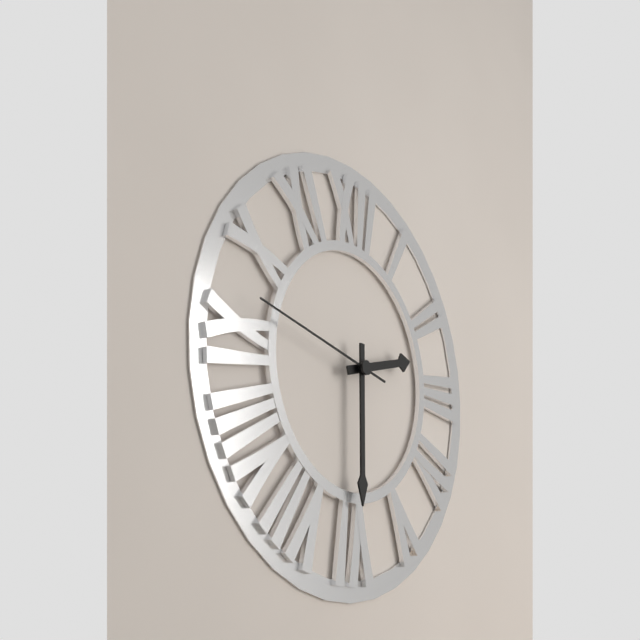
**2:30:47**
